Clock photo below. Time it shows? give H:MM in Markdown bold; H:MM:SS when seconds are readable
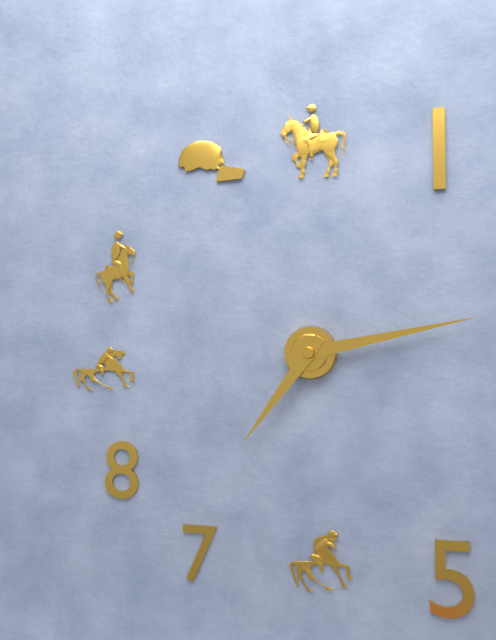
**7:13**
